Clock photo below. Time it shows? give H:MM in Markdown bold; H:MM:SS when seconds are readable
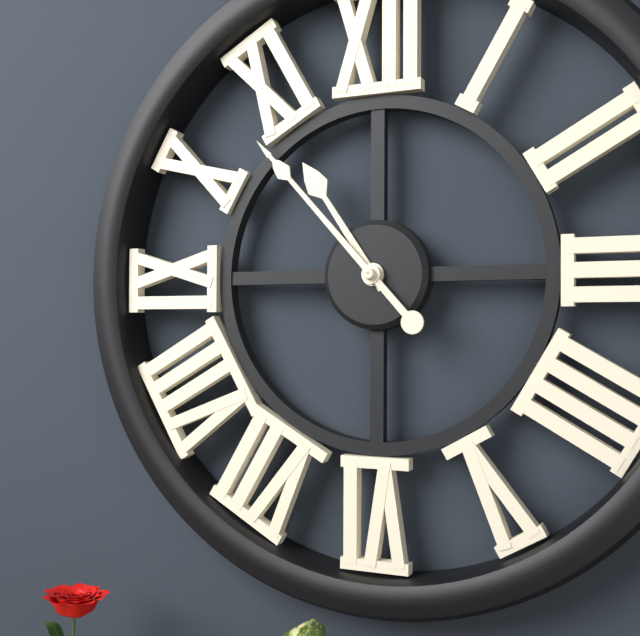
**10:53**
